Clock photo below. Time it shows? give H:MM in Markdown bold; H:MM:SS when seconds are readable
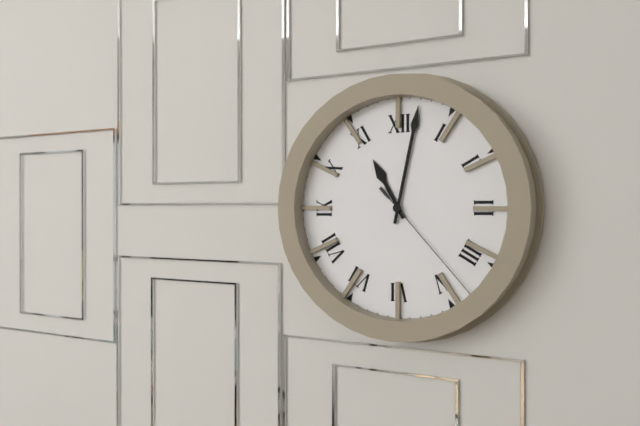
**11:02:23**
